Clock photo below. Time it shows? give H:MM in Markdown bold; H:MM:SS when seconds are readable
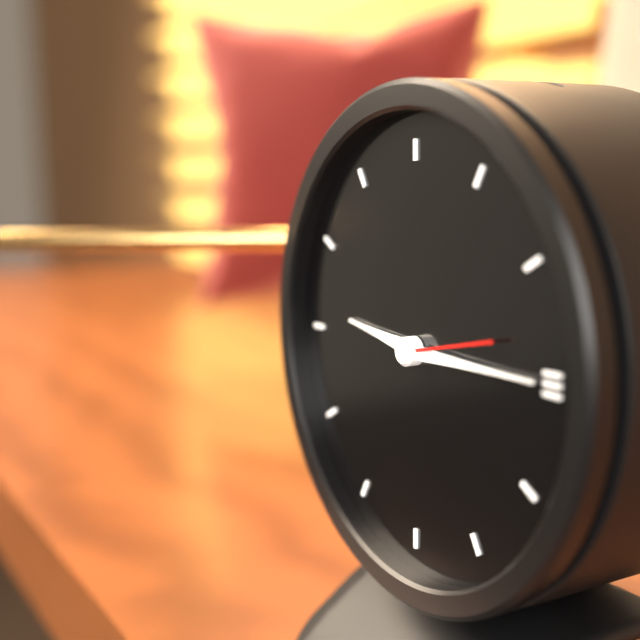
**9:15:13**
